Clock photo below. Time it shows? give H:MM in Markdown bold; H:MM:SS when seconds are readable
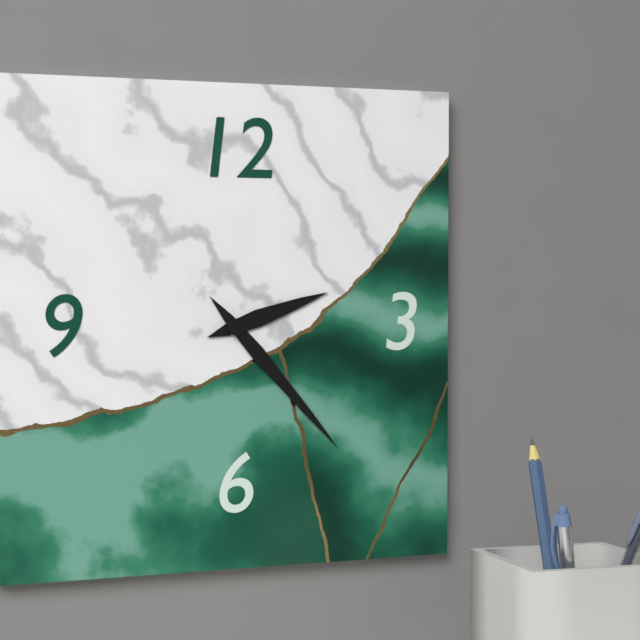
**2:23**
